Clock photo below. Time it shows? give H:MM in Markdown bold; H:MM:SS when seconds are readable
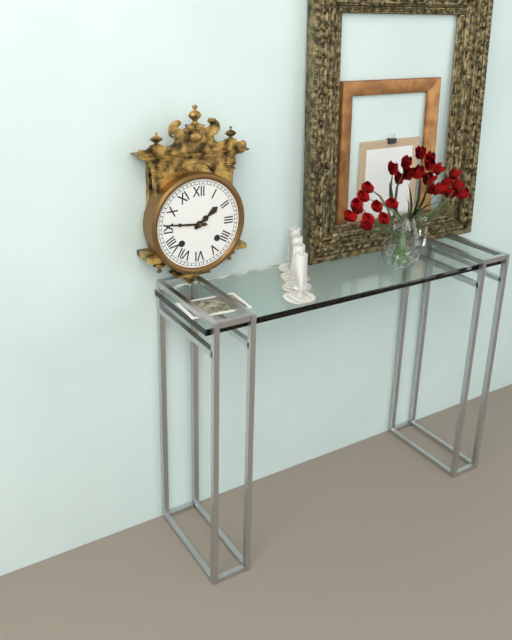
**1:46**
